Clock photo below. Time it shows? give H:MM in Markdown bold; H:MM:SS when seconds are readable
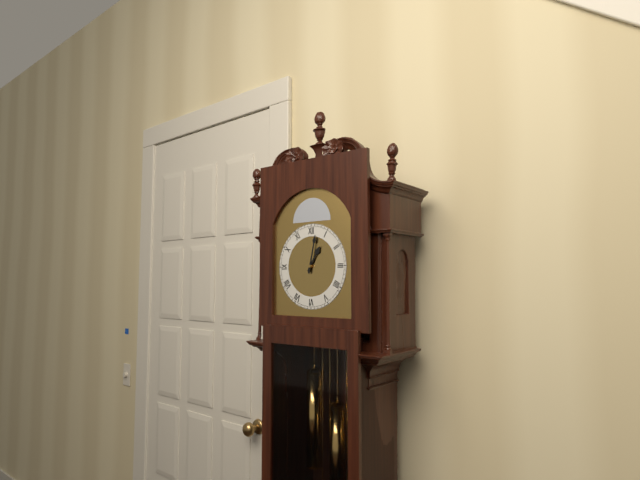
**1:02**
